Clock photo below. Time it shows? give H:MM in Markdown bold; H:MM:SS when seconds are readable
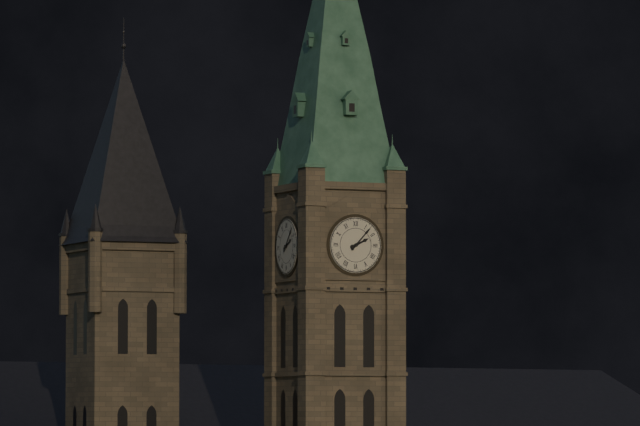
**2:07**
